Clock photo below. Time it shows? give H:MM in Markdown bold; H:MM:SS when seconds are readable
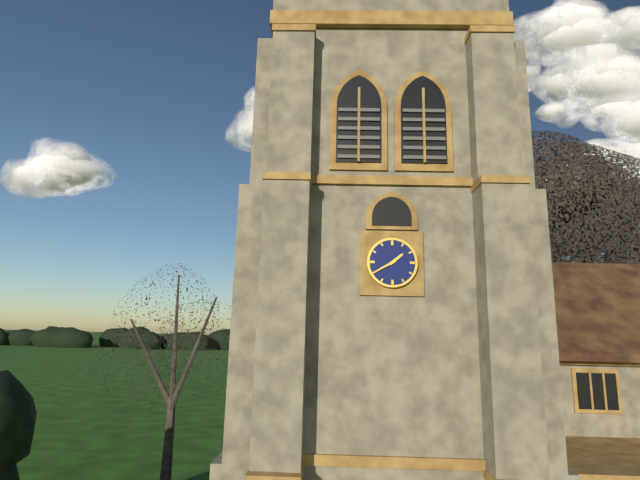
**1:40**
